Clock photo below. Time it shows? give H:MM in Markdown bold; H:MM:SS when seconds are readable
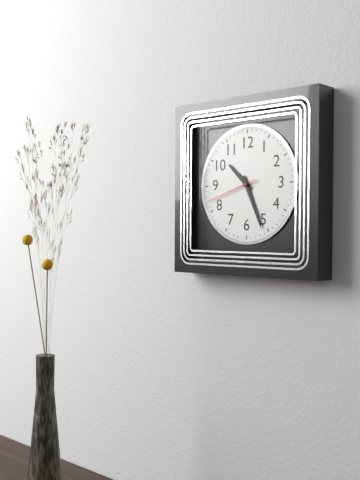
**10:26:42**
